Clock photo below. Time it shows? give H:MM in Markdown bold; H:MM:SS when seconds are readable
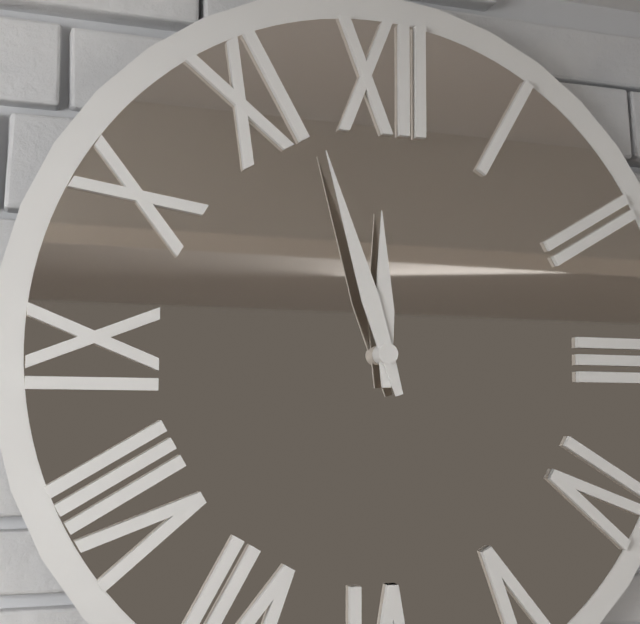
**11:57**
